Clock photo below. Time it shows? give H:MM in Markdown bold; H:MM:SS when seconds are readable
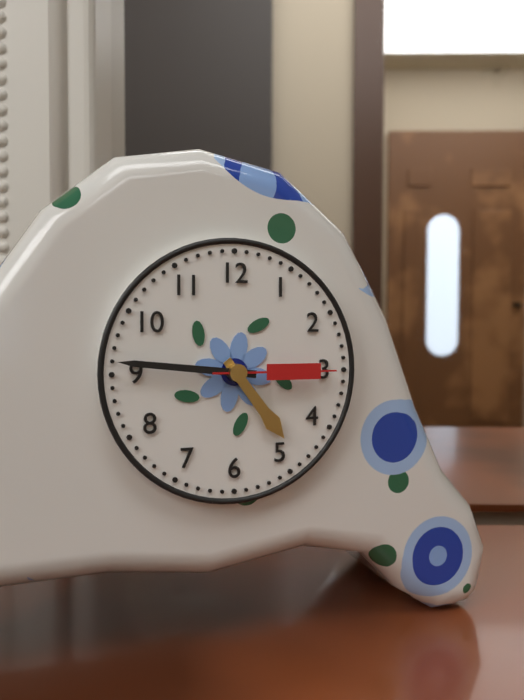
**4:46:15**
